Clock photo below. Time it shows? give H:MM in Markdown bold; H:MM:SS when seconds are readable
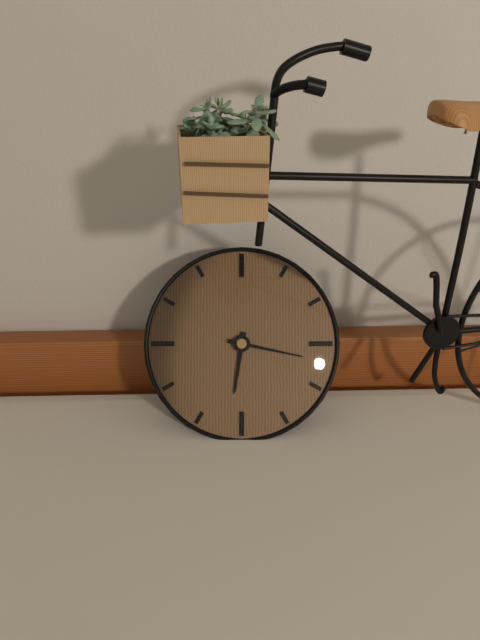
**6:17**
